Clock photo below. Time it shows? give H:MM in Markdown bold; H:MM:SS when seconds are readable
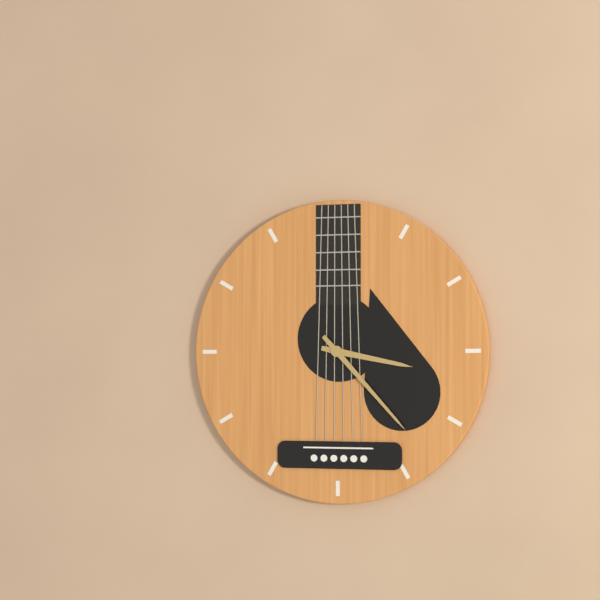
**3:23**
